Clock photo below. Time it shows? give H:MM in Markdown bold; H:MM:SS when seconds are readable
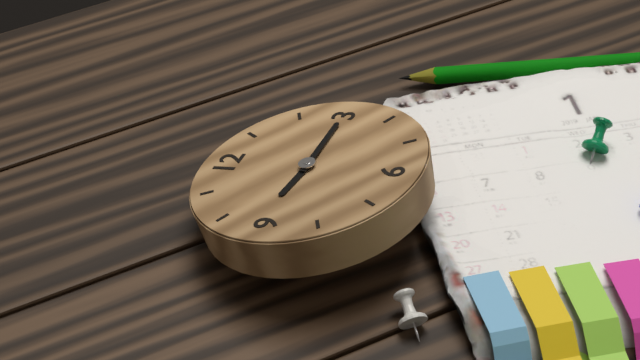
**9:15**
